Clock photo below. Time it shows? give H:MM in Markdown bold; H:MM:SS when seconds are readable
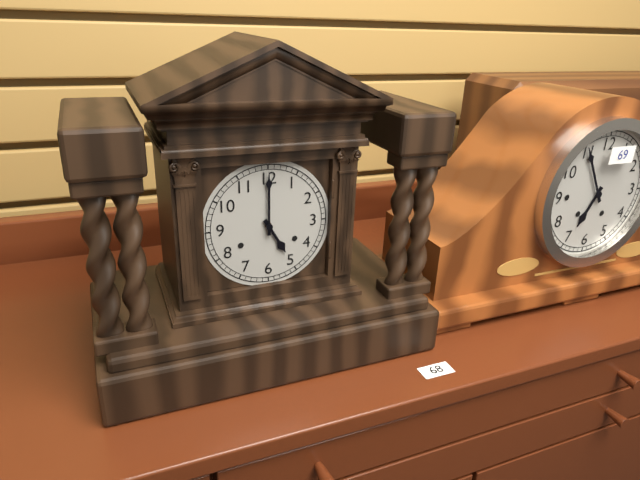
**5:00**
